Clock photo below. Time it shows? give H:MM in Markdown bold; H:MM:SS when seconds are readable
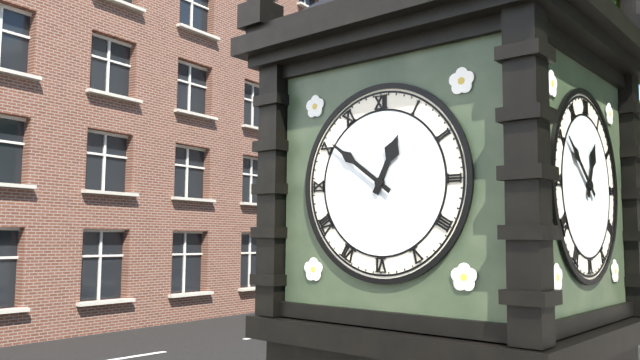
**12:51**
